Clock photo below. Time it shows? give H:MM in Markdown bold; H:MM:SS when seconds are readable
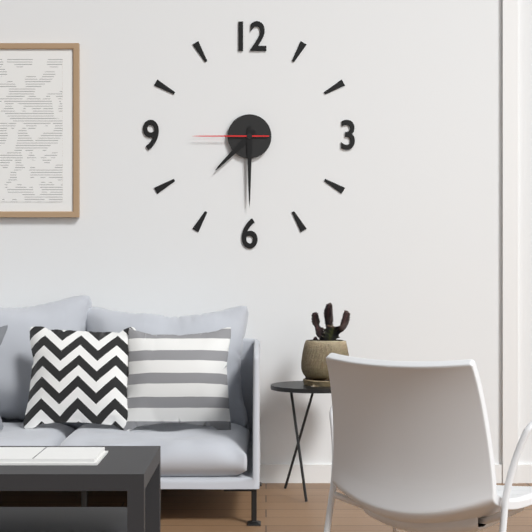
**7:30:45**
